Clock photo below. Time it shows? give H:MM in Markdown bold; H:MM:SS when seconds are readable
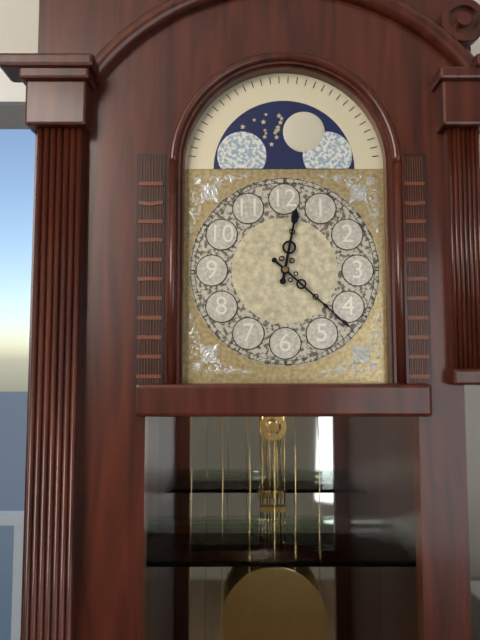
**12:22**
